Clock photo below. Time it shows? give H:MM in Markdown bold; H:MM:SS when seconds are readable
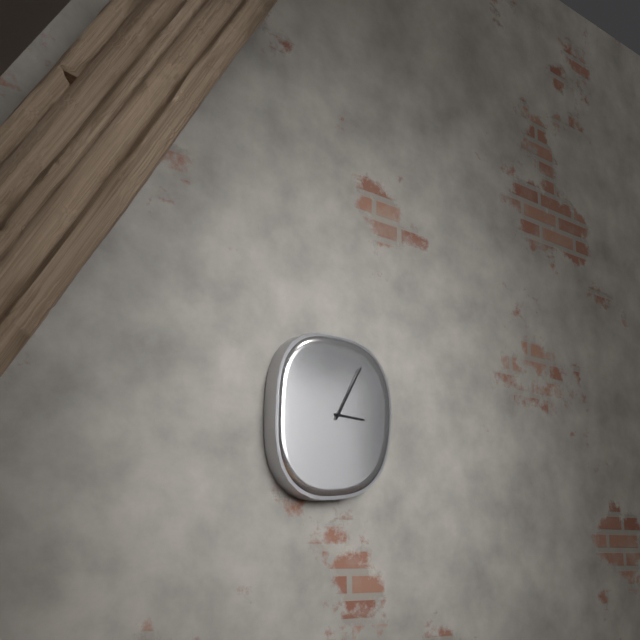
**3:05**
